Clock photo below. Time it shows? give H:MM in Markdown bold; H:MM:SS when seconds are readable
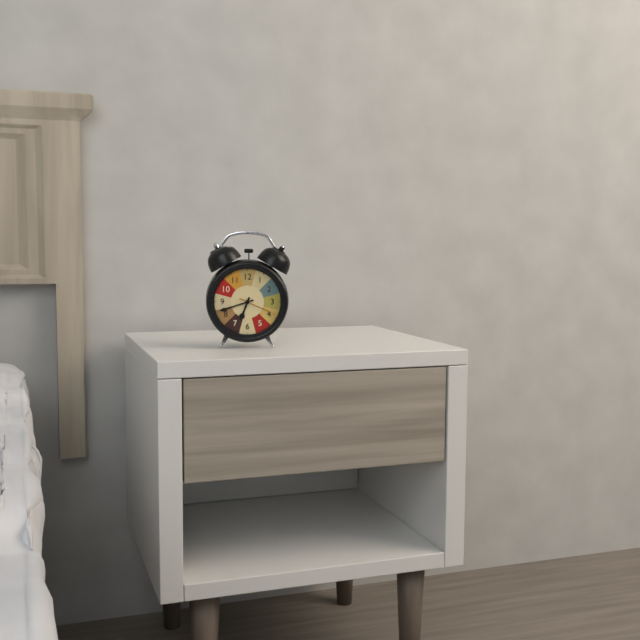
**6:42**
